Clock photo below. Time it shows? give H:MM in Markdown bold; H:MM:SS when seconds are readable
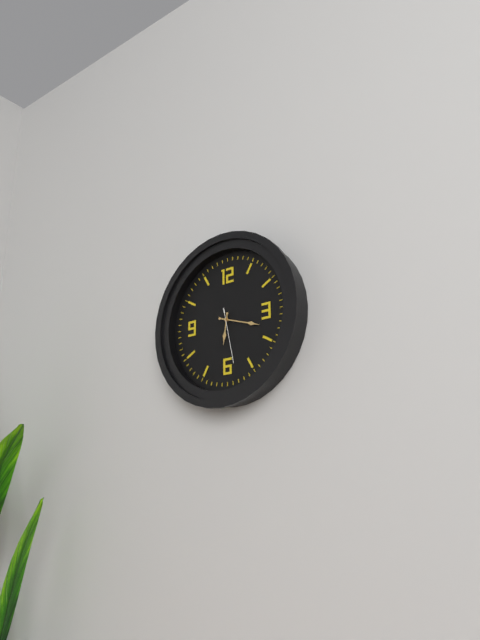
**6:18:28**
